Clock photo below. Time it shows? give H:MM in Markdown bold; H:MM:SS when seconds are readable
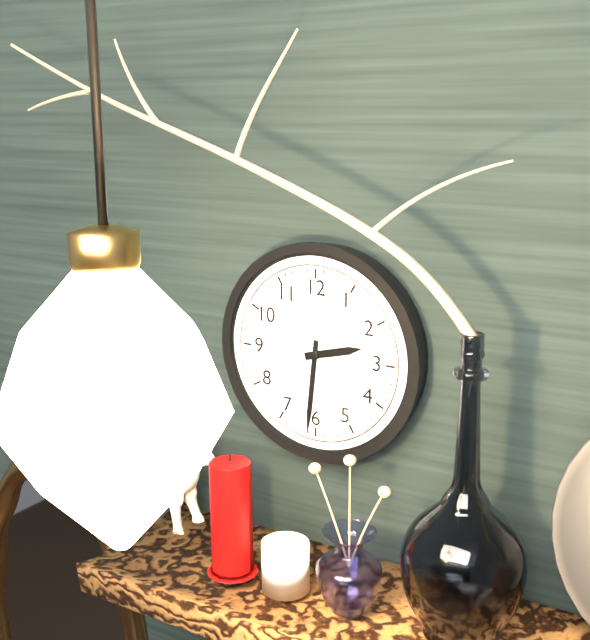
**2:31**
